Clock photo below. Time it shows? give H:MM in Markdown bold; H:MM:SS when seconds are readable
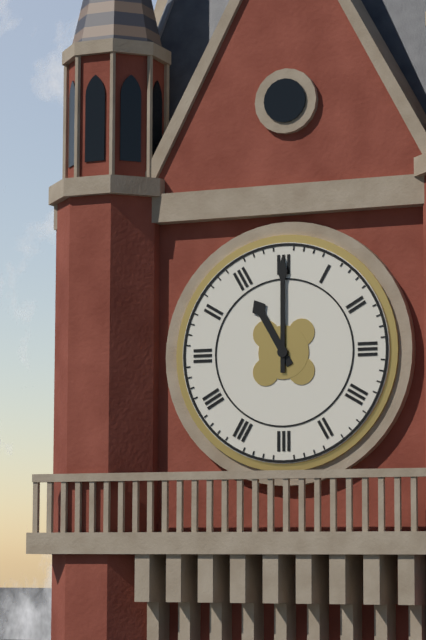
**11:00**
